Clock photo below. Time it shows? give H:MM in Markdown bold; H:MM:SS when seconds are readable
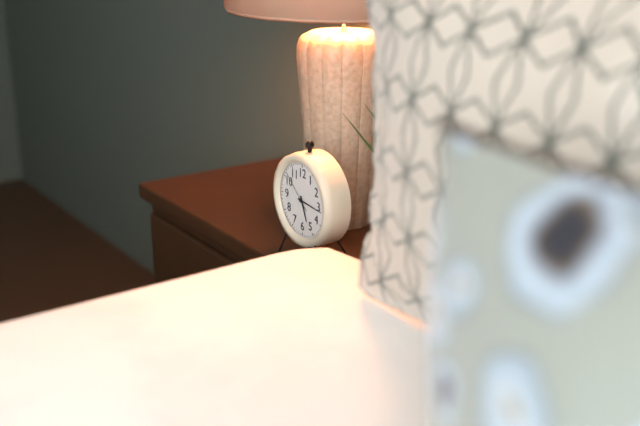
**5:16**
